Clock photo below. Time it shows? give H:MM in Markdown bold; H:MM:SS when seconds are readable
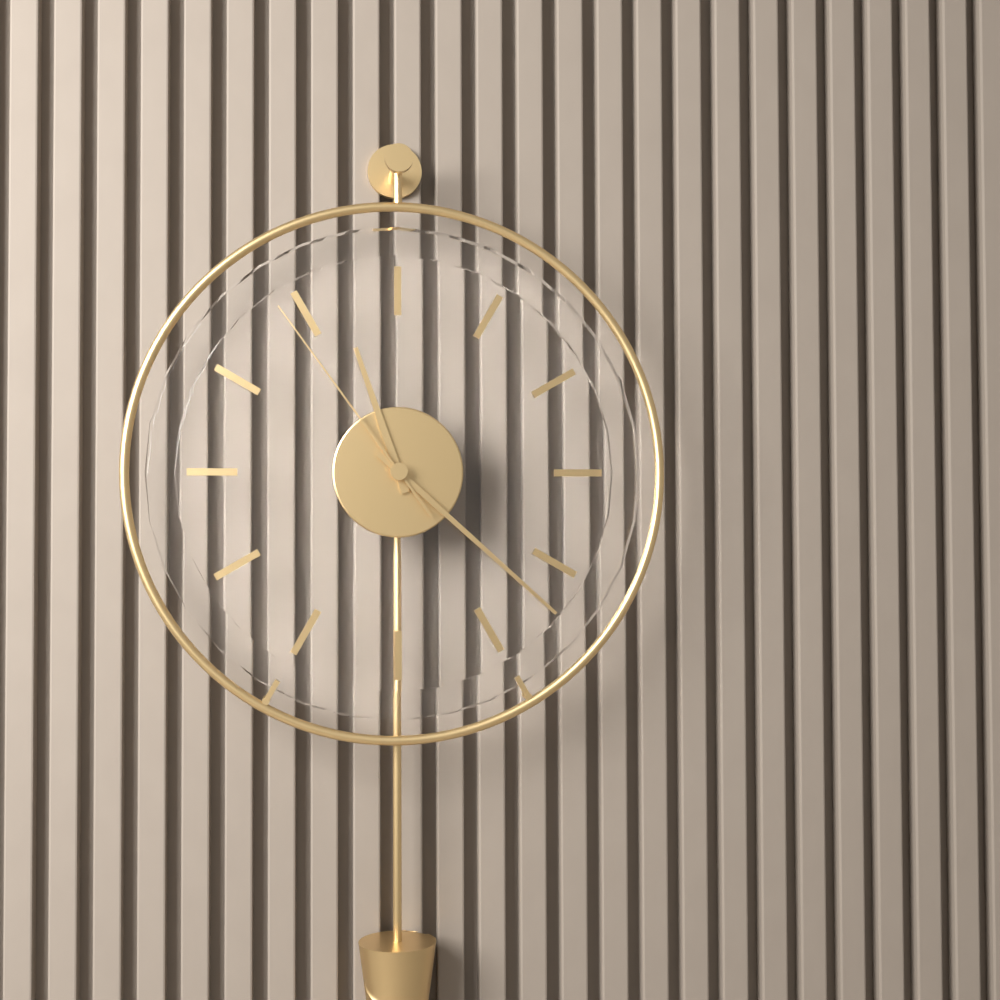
**11:22:54**
